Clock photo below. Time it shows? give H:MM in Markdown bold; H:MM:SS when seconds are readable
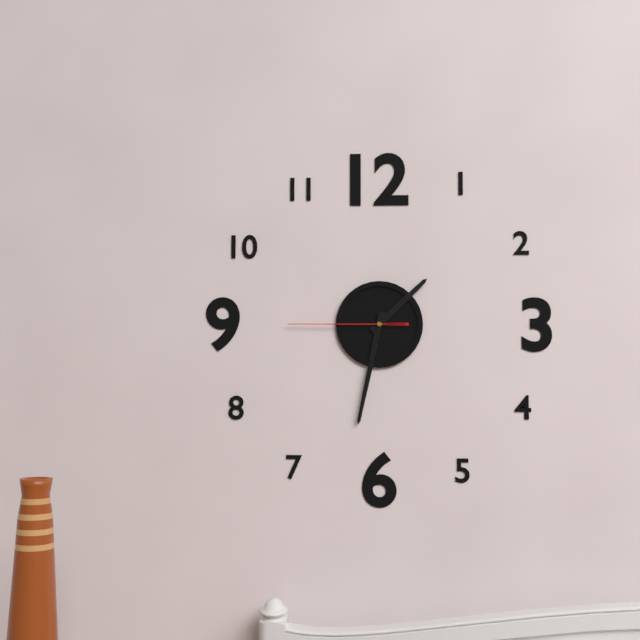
**1:32:45**
